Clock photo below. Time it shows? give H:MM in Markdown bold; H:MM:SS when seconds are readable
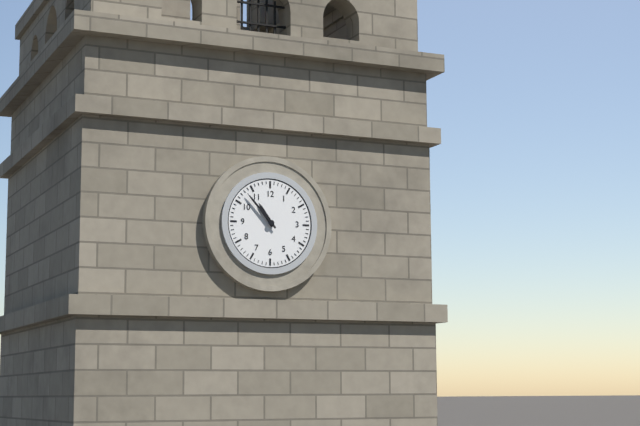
**10:53**
